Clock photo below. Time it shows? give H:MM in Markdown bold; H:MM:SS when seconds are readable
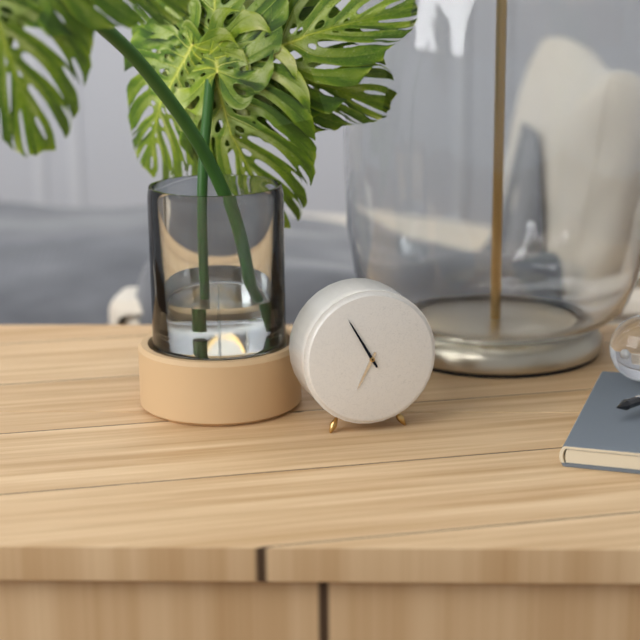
**6:55**
